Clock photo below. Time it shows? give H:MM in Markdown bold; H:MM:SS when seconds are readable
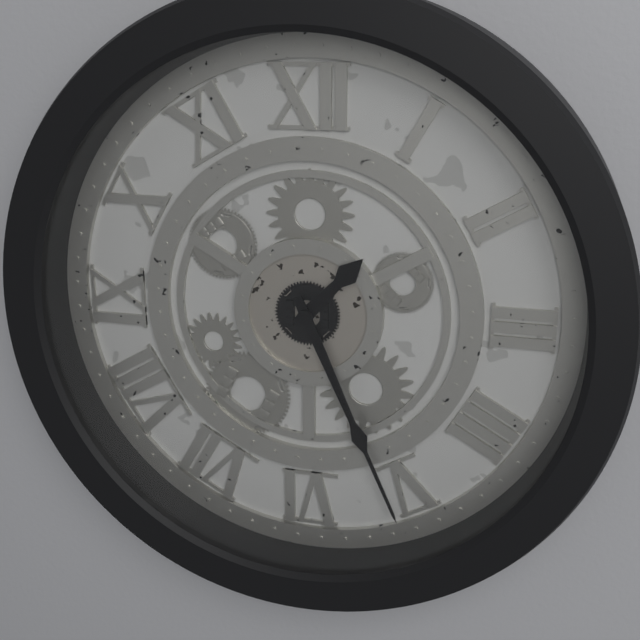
**1:26**
